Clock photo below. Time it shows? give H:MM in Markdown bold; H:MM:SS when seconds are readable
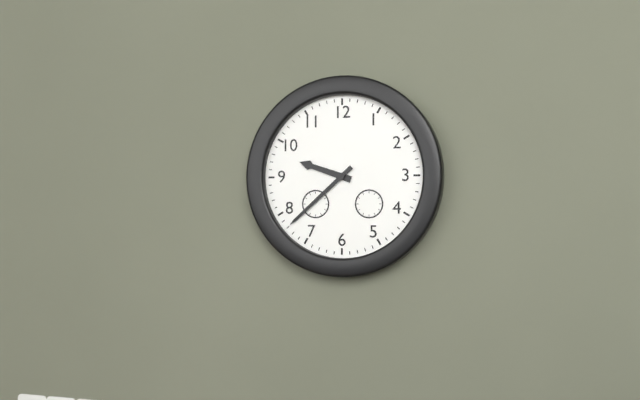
**9:38**
